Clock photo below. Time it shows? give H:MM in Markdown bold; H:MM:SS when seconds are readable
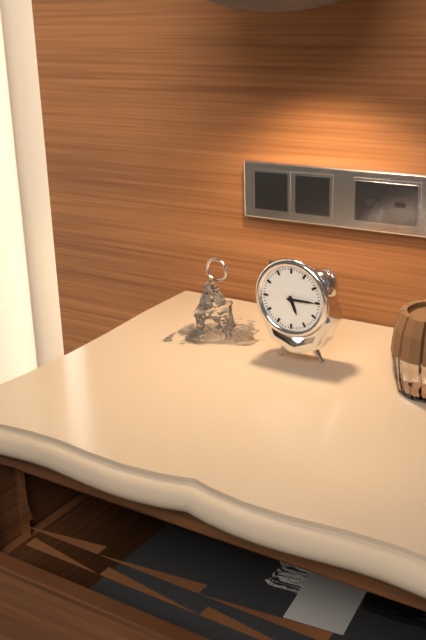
**5:15**
